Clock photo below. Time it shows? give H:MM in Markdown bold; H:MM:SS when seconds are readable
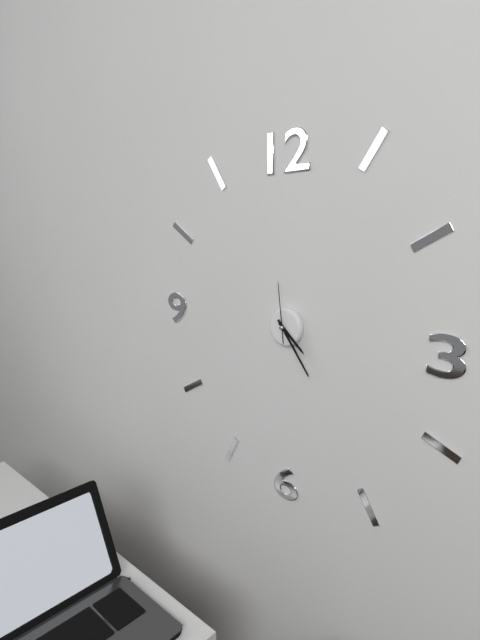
**4:24:59**
